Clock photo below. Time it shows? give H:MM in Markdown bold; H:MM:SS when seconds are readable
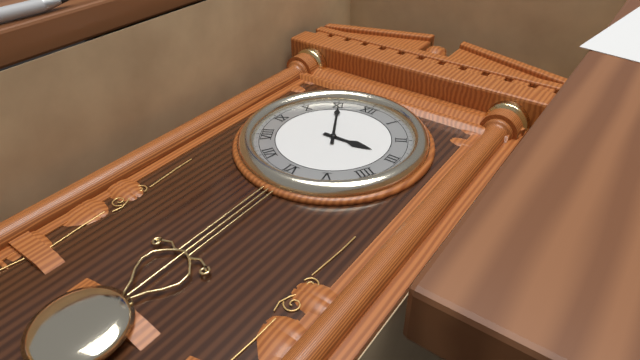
**2:55**
